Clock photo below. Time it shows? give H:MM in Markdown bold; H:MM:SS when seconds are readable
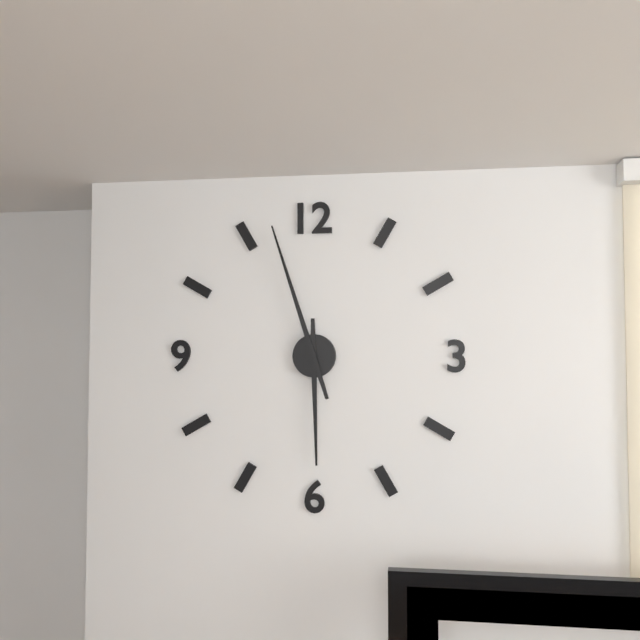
**5:57**
